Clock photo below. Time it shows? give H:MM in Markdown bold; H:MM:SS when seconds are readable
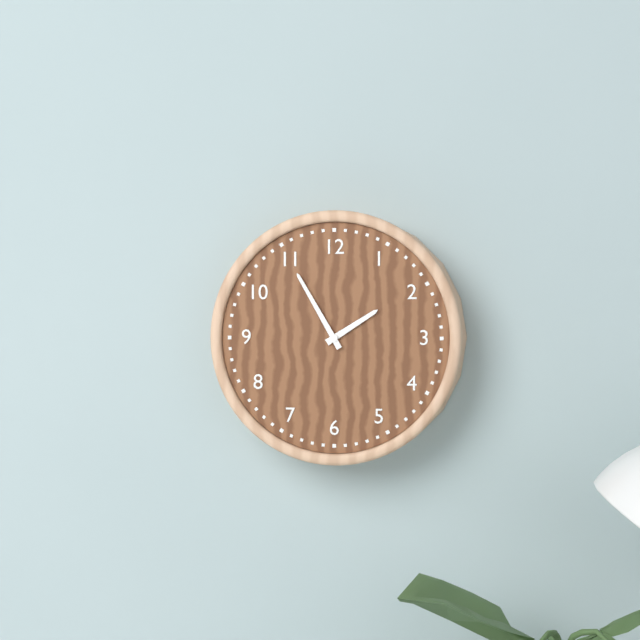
**1:55**
